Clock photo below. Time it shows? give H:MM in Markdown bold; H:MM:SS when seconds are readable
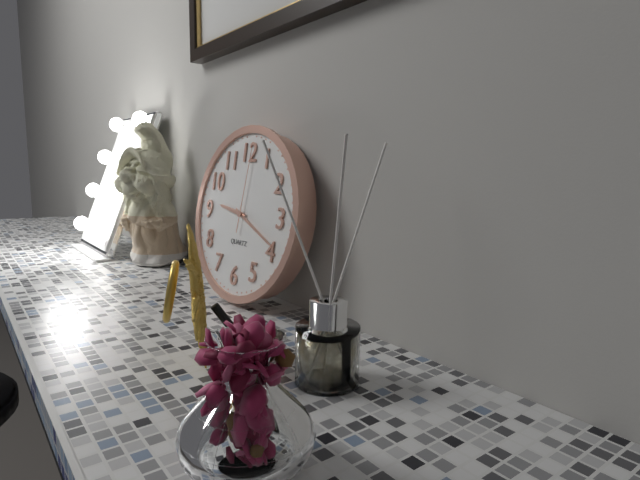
**9:19:01**
